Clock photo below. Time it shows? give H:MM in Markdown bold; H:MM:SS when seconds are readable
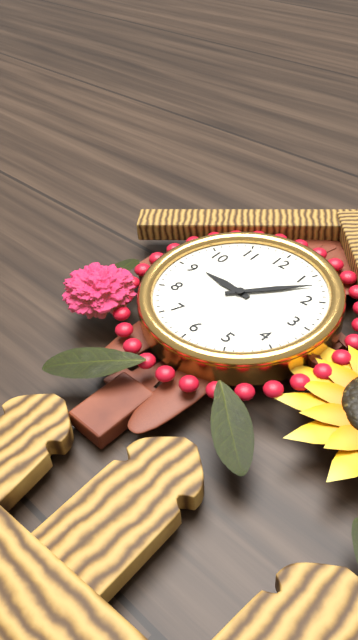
**9:07**
